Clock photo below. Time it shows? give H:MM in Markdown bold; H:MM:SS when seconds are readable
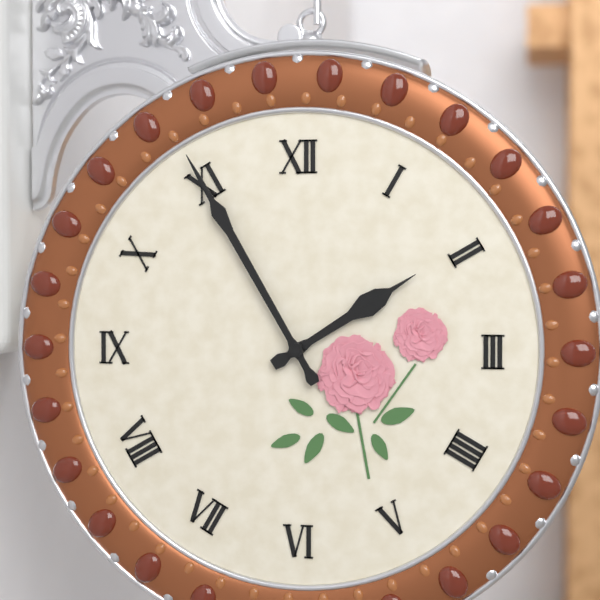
**1:55**
